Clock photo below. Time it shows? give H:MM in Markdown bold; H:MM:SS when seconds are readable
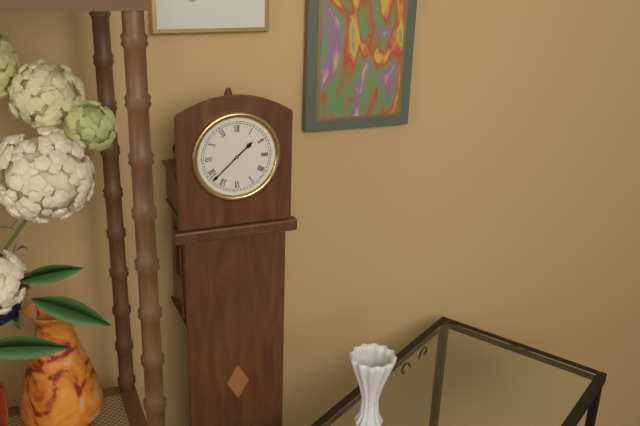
**1:38**
